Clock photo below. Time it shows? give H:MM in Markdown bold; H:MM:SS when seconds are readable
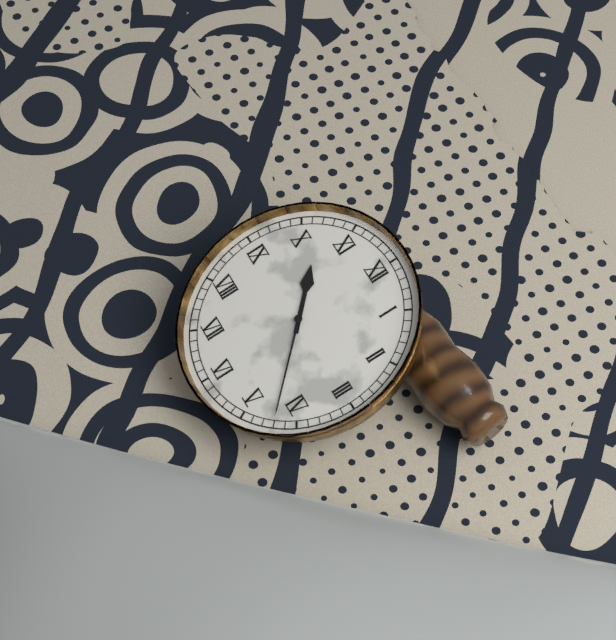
**10:22**
